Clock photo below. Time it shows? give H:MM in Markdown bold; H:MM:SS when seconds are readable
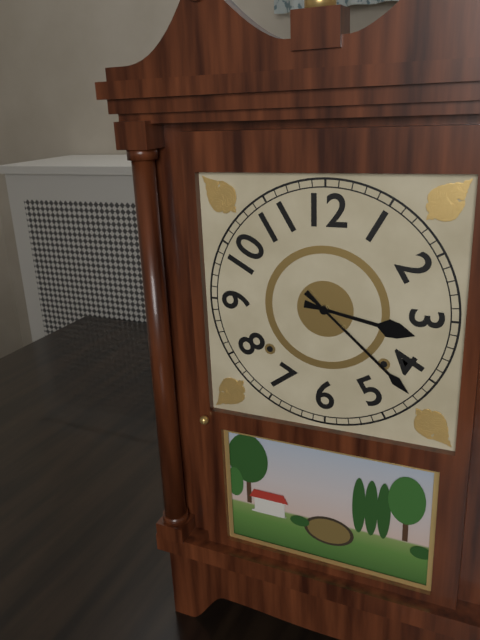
**3:22**
